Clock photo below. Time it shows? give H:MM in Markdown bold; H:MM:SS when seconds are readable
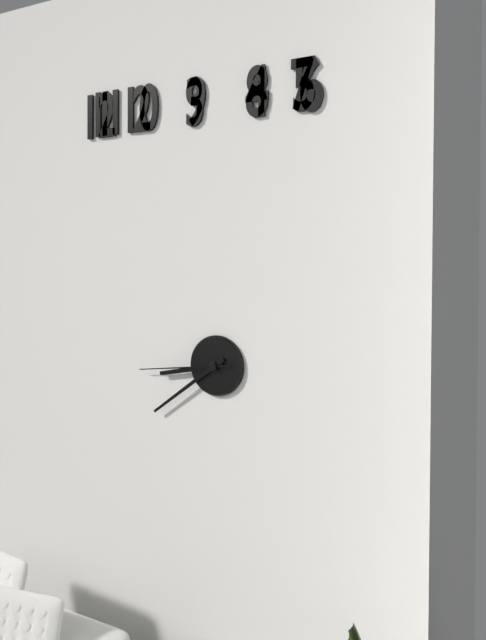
**8:39:44**
